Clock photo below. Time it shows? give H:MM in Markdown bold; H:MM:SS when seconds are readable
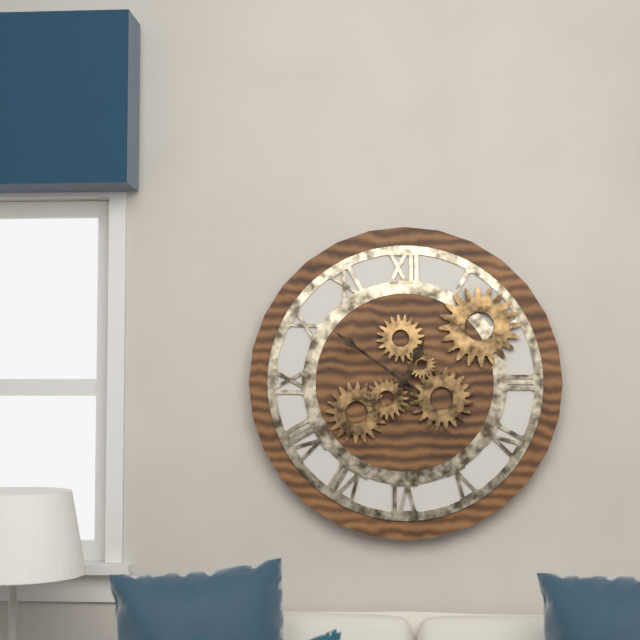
**12:51**
